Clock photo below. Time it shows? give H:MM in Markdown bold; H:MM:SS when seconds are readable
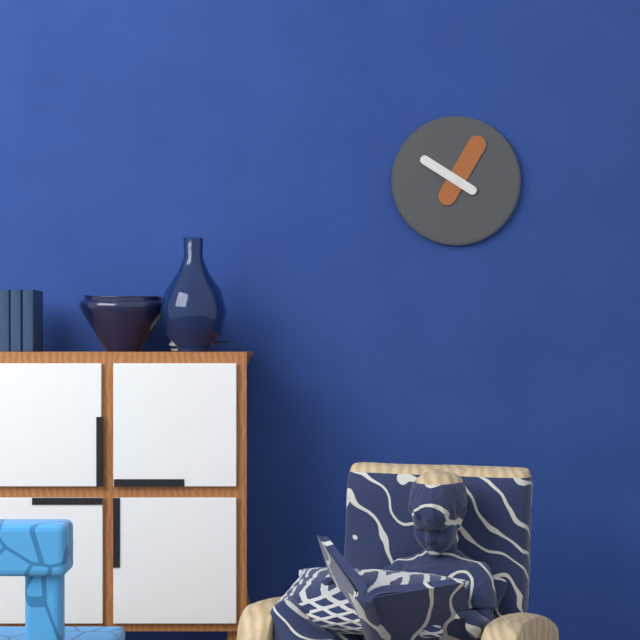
**10:05**
